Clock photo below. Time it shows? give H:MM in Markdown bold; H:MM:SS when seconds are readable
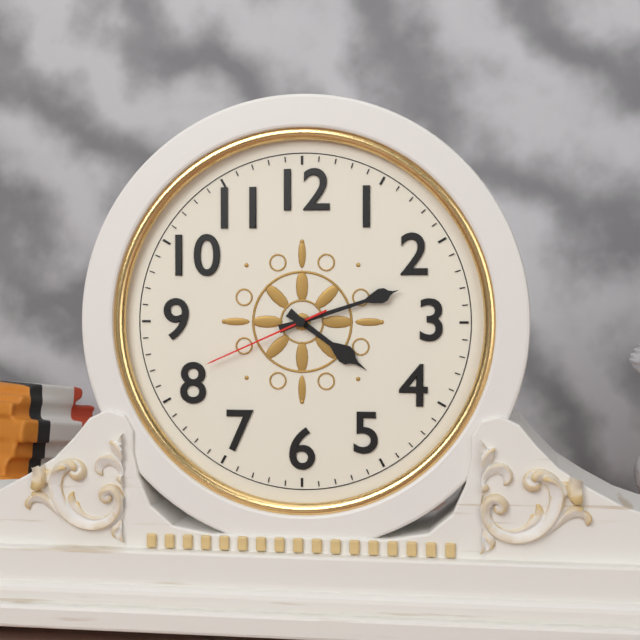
**4:12:41**
